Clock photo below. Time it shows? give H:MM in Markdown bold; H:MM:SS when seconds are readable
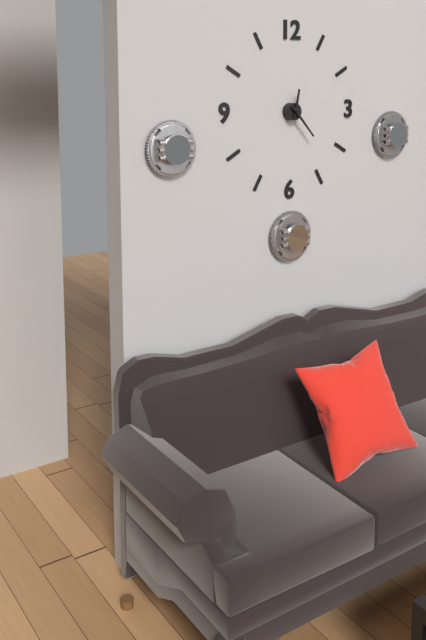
**12:23**
